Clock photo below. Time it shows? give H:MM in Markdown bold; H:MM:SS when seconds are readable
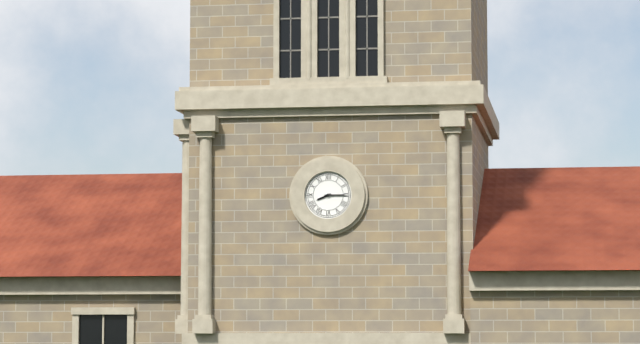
**8:15**
